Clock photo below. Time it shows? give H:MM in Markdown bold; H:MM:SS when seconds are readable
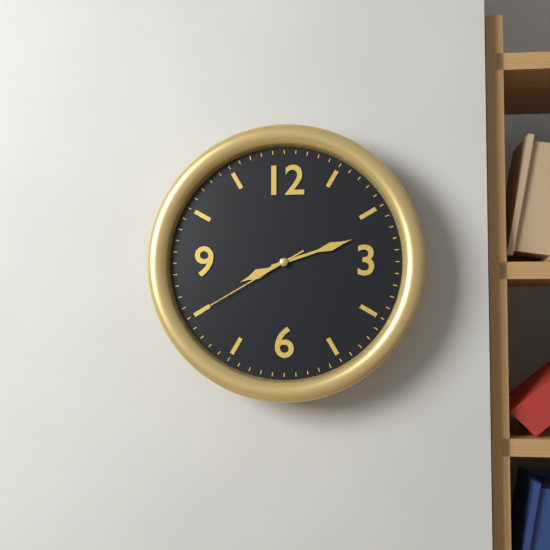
**8:12:40**
